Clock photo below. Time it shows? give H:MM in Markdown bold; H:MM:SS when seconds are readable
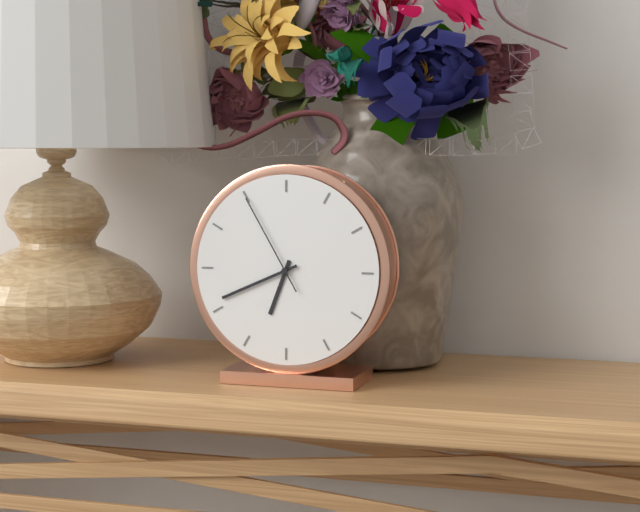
**6:41:55**
